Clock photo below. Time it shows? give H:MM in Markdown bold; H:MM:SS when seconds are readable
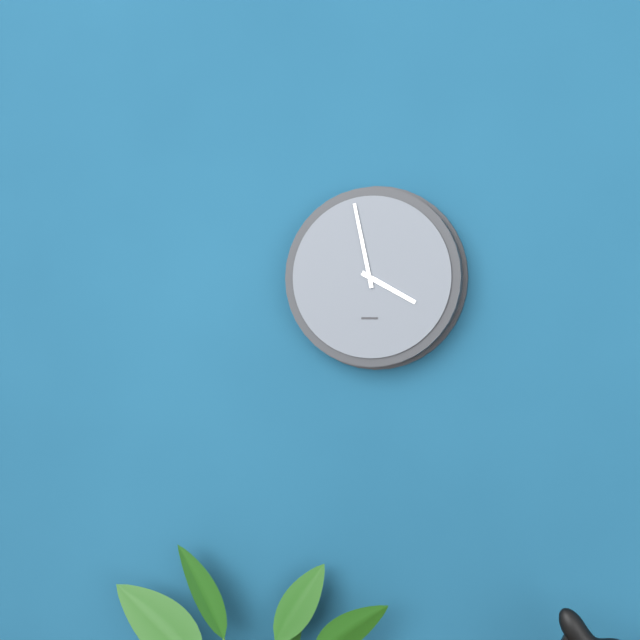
**3:58**
